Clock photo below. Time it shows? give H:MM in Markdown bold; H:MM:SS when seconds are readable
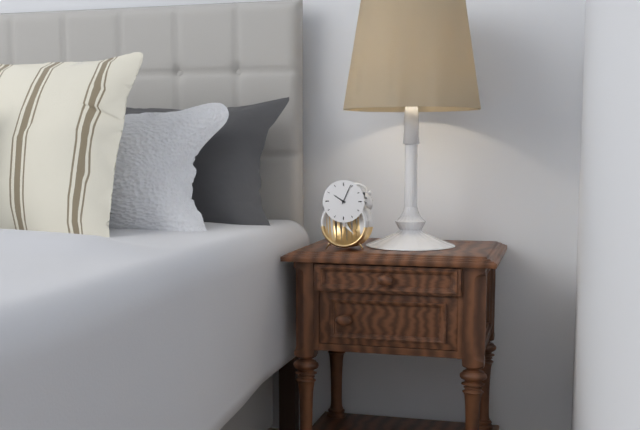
**10:04**
